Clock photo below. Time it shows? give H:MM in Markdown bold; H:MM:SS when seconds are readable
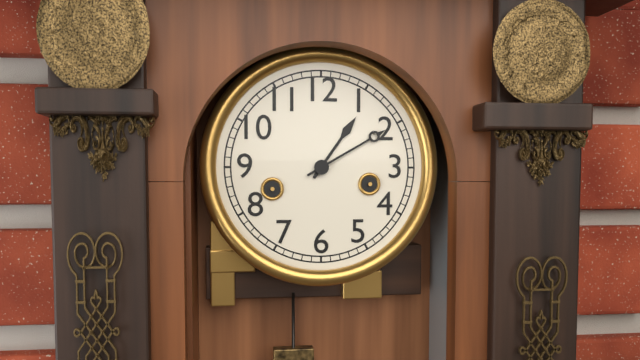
**1:10**
